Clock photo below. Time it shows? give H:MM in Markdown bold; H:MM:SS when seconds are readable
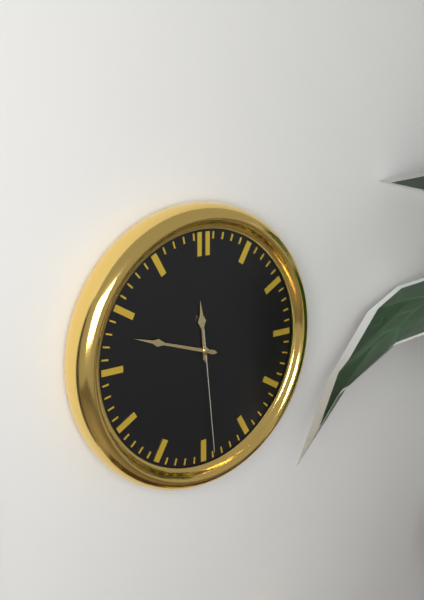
**11:48:29**
